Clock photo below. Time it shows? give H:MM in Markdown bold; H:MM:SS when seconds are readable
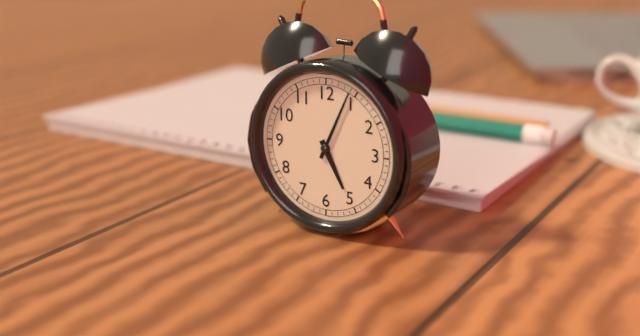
**5:04**
